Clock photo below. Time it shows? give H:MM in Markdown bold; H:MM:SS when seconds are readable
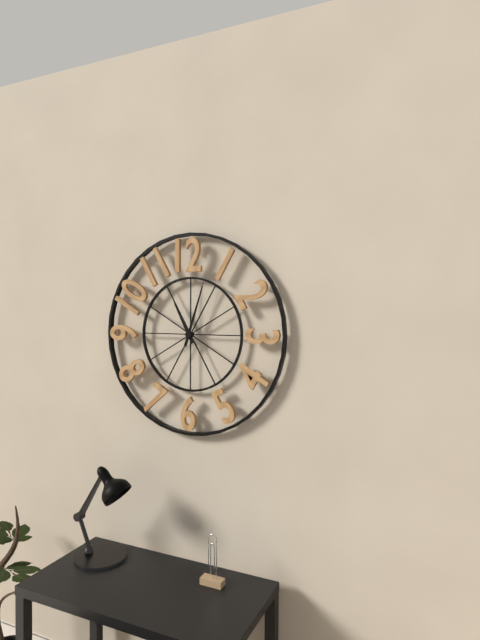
**11:03**
